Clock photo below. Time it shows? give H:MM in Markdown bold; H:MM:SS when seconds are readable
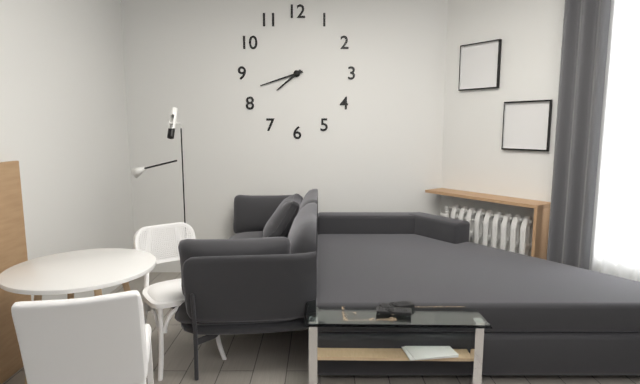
**7:42**
